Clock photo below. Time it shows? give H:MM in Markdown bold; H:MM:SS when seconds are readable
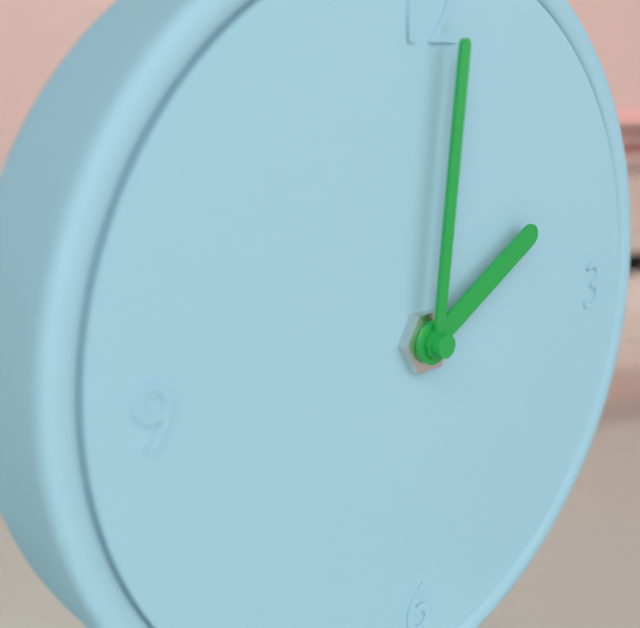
**2:01**
